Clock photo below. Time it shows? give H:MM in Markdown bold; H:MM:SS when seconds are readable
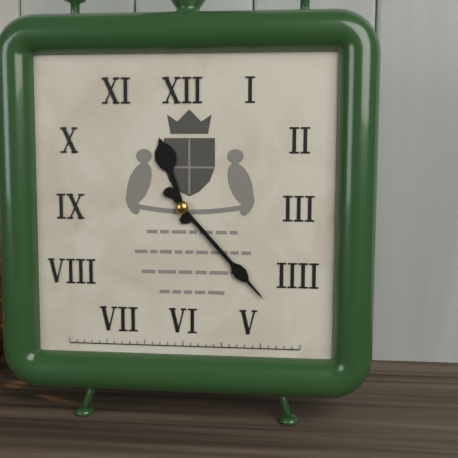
**11:23**
